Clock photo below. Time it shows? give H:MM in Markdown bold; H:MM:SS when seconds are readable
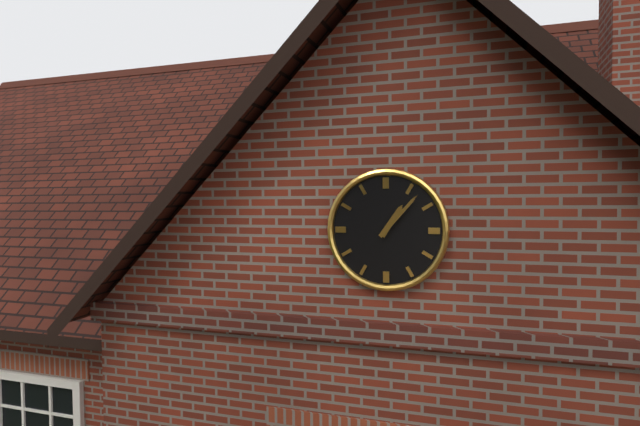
**1:07**
